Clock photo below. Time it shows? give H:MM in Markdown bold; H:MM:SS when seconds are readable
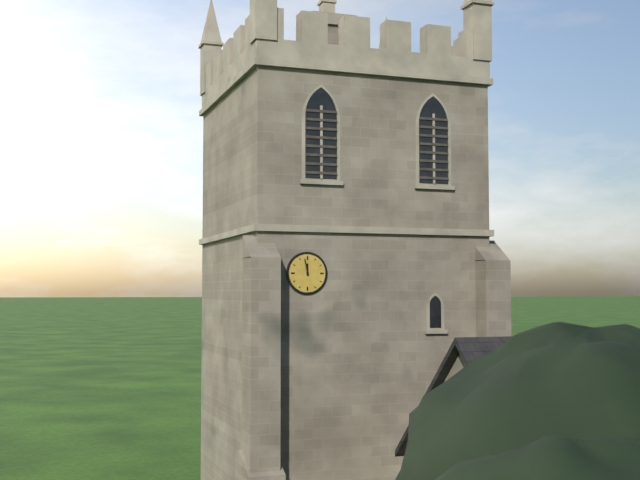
**11:58**
